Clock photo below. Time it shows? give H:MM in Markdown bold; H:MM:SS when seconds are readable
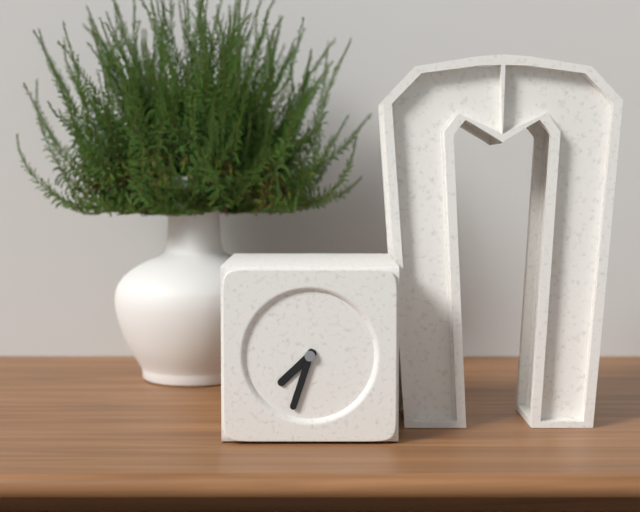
**7:33**
